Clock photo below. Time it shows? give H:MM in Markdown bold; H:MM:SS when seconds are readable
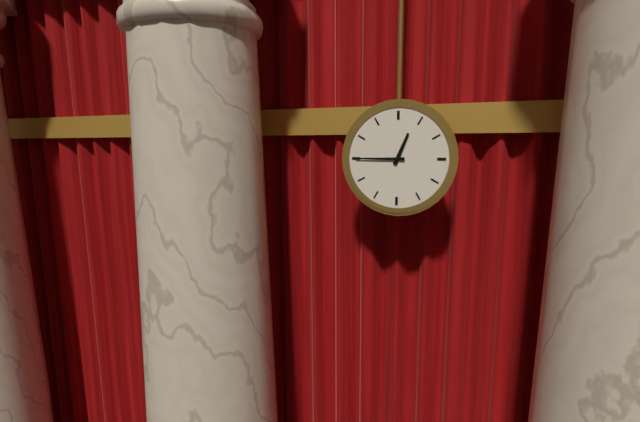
**12:45**
